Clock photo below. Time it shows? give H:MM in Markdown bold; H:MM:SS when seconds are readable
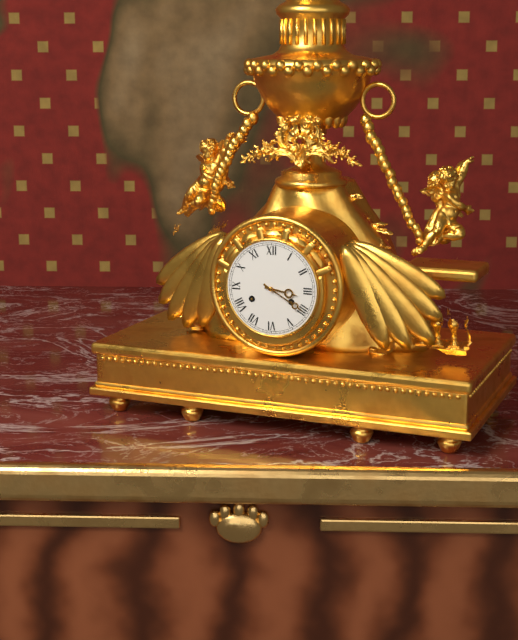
**3:20**
